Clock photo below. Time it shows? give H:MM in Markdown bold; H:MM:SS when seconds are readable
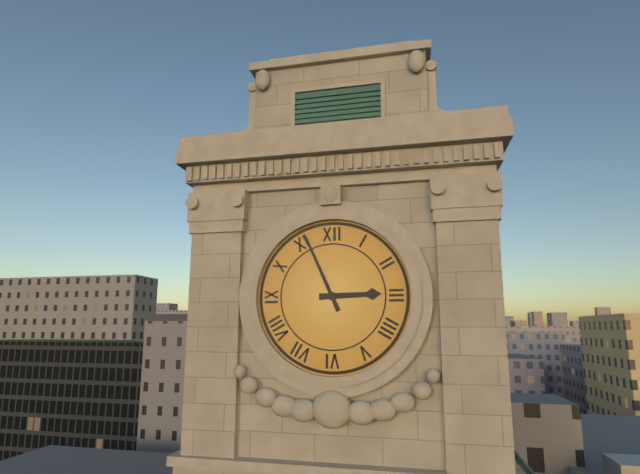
**2:56**
